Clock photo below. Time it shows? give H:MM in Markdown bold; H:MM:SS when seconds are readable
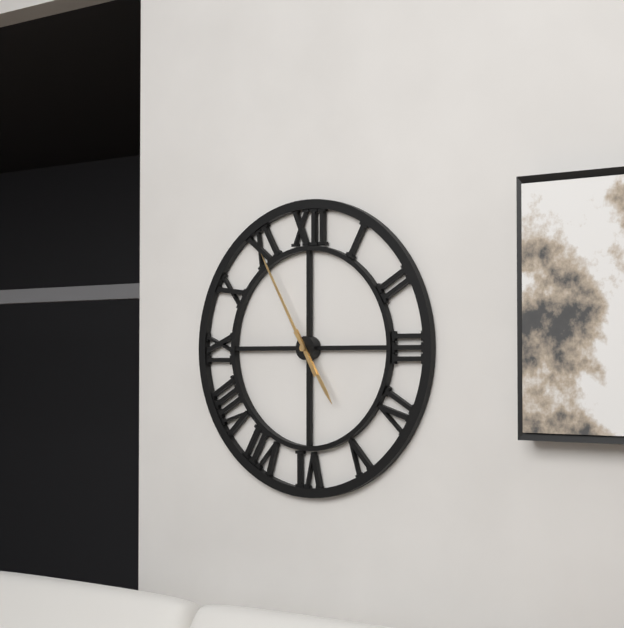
**4:55**
